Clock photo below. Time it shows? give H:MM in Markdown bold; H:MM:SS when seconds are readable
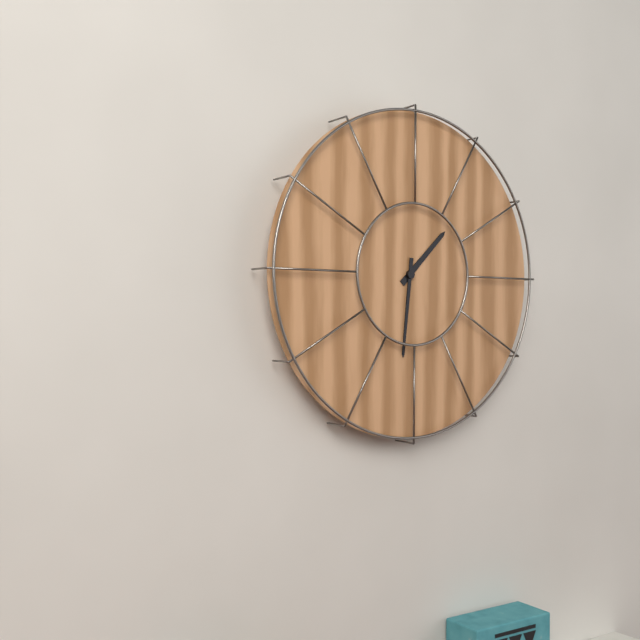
**1:31**
